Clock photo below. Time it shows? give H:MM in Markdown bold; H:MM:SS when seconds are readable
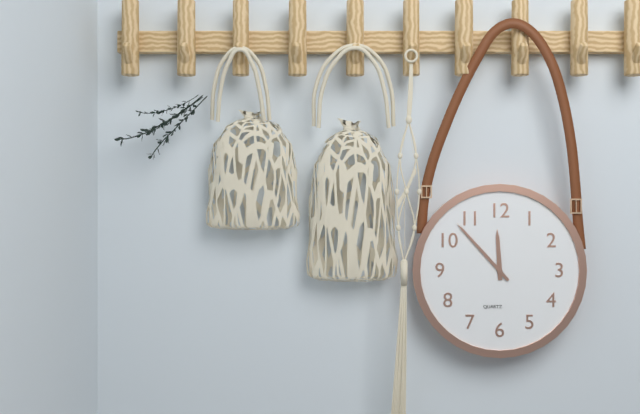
**11:53**
